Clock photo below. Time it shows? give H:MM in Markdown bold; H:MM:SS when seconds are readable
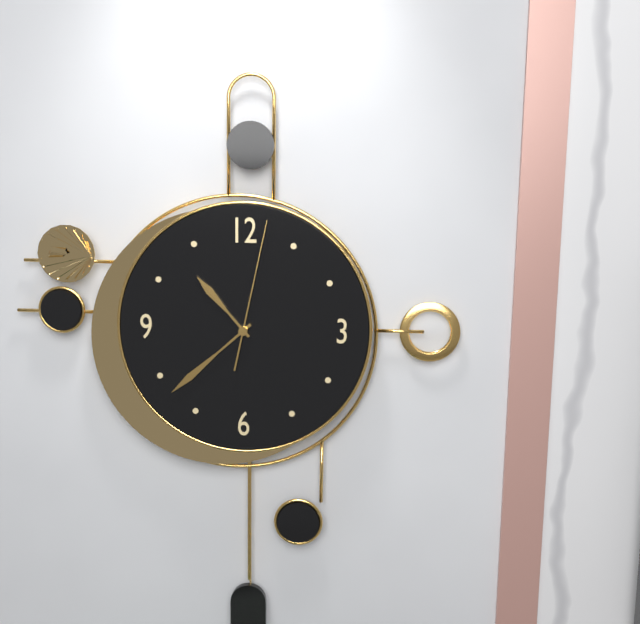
**10:38:02**
